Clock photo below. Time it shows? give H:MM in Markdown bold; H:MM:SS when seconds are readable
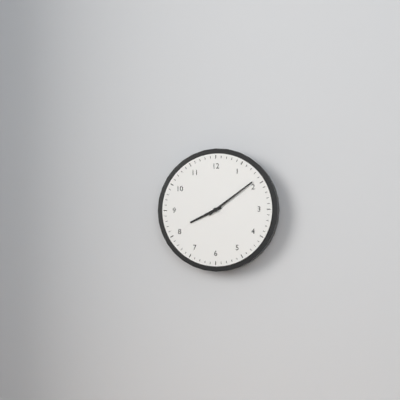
**8:09**
